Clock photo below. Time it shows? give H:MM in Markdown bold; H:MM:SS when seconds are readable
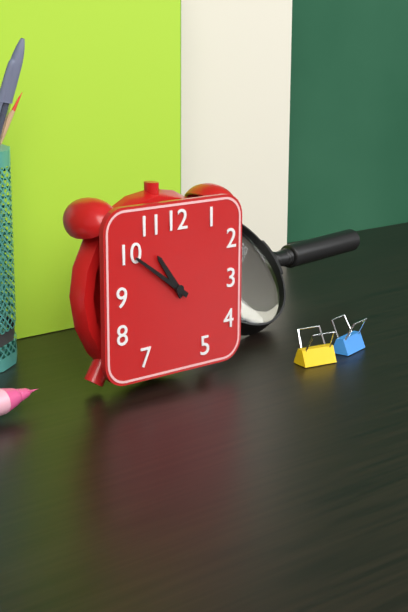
**10:51**
